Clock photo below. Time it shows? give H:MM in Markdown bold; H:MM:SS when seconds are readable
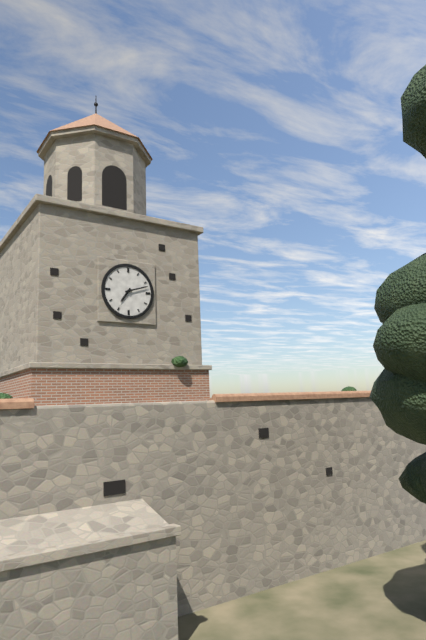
**7:12**
